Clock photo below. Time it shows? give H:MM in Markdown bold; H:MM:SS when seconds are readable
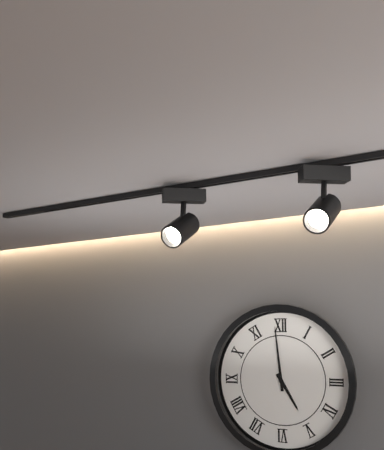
**4:59**
